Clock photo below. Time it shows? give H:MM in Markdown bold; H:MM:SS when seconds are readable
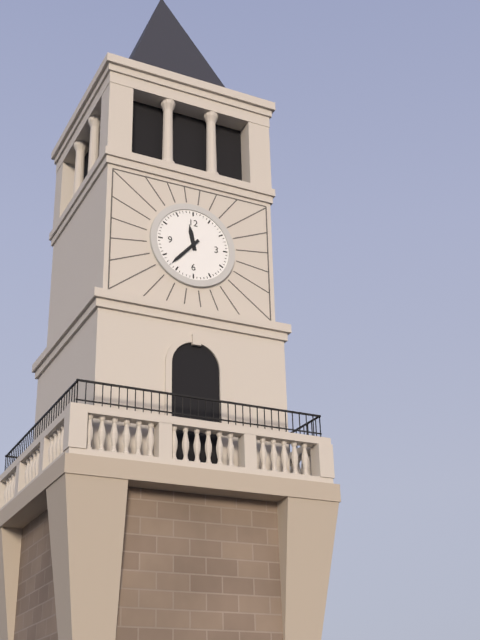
**11:37**
